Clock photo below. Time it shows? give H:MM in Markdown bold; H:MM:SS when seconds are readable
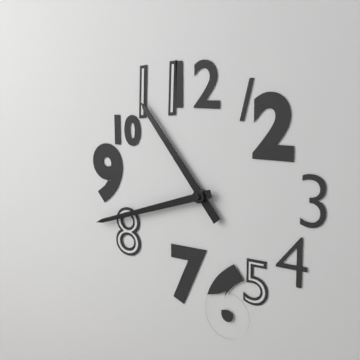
**10:42**
